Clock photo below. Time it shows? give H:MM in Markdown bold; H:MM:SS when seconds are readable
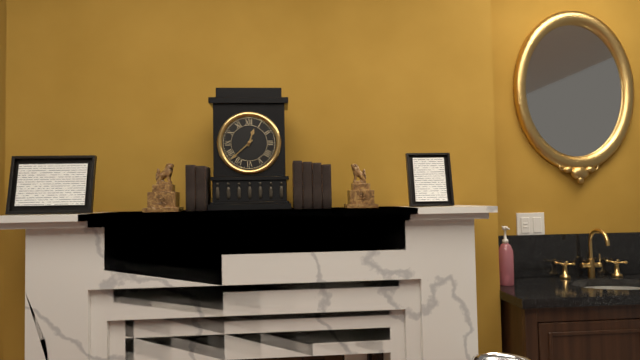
**12:38**
